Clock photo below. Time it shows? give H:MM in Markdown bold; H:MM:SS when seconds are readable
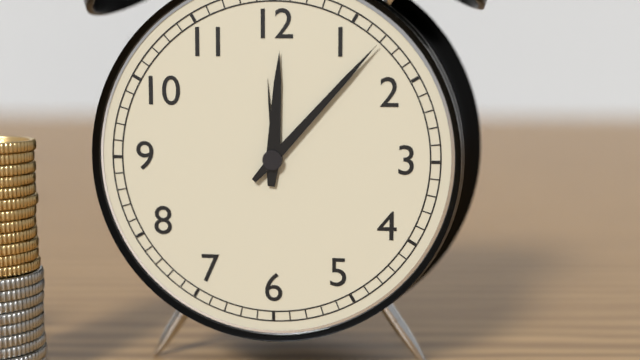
**12:07**
